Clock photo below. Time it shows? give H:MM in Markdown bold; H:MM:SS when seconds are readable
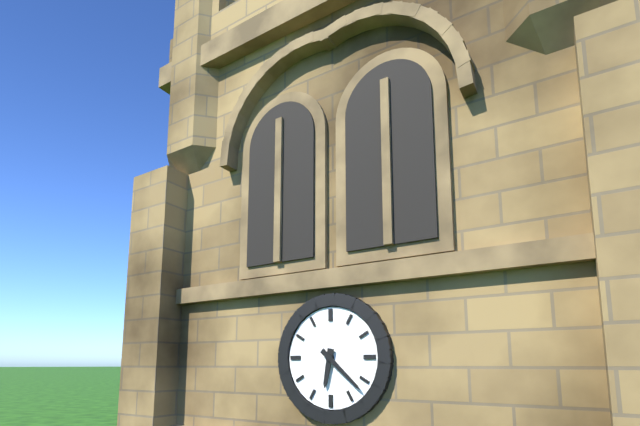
**6:22**
